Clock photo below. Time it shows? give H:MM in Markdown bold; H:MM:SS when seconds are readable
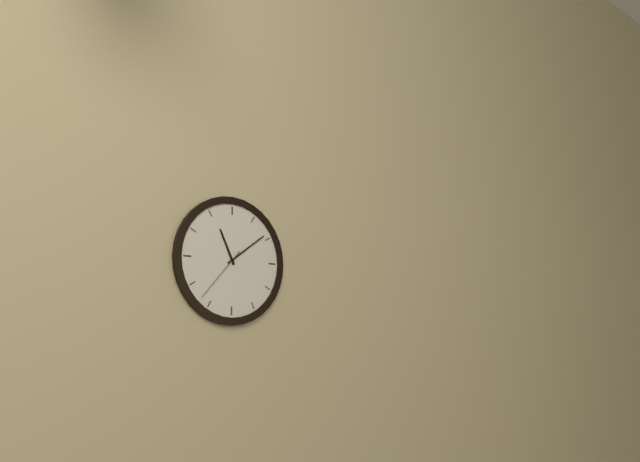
**11:09:37**
